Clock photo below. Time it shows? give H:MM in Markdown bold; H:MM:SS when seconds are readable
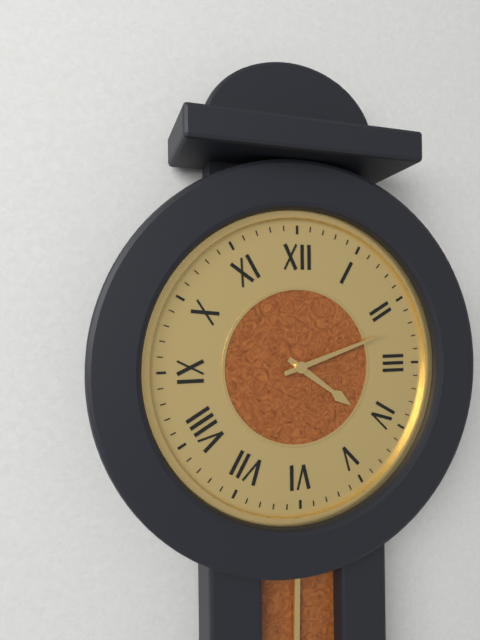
**4:12**
